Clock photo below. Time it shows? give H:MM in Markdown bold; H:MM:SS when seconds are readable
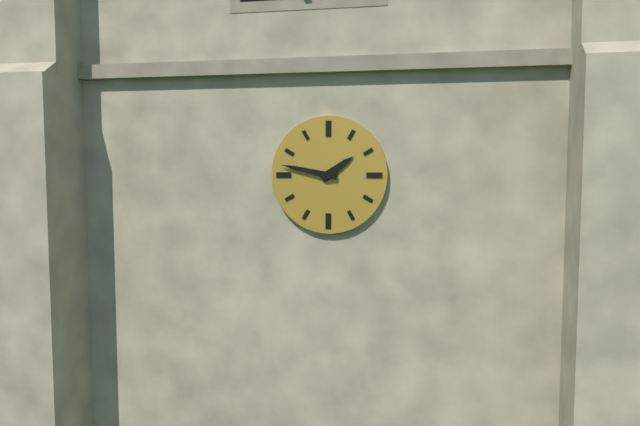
**1:47**
